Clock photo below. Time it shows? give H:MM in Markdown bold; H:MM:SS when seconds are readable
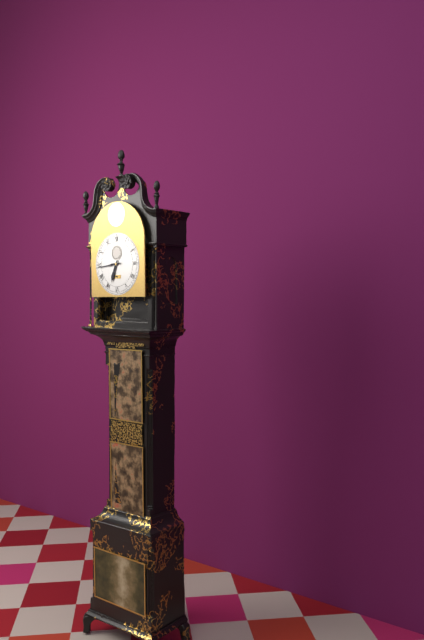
**6:44**
